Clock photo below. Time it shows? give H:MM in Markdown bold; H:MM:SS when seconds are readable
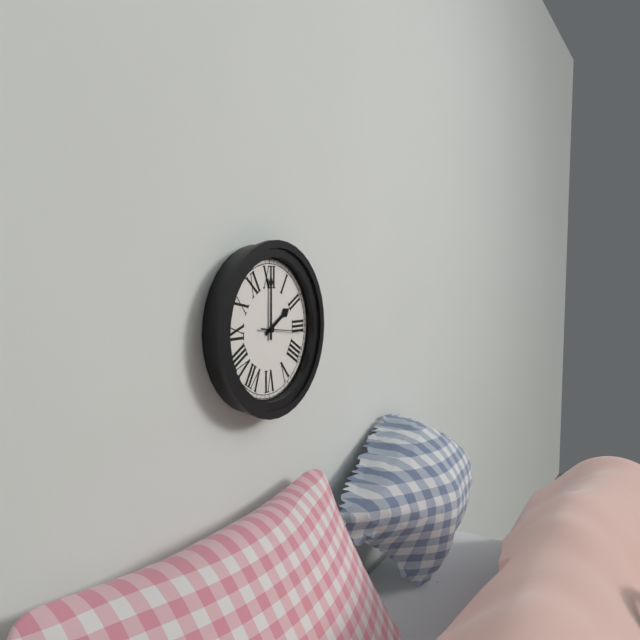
**2:00**
